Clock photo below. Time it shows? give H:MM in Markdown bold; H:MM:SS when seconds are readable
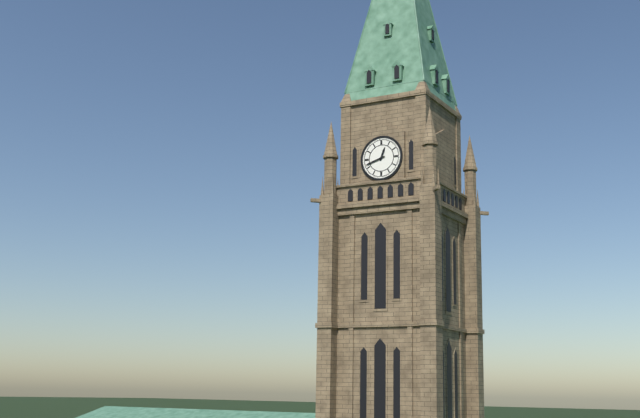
**12:42**
